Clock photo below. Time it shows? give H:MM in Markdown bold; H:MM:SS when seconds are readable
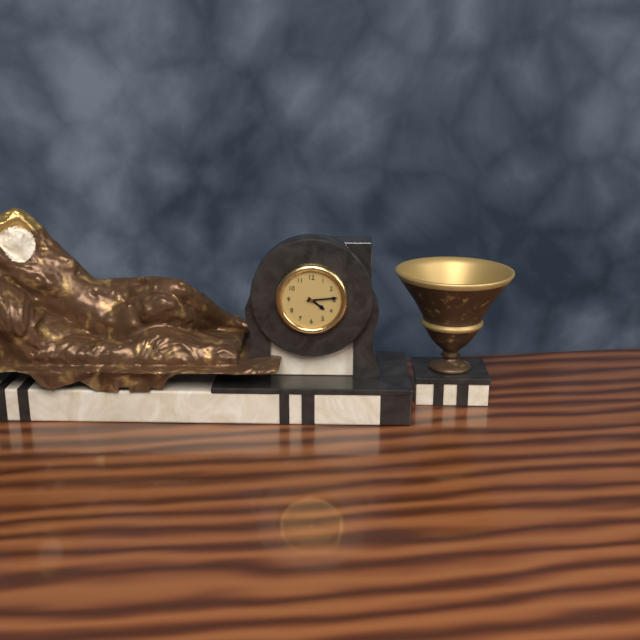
**4:14**
